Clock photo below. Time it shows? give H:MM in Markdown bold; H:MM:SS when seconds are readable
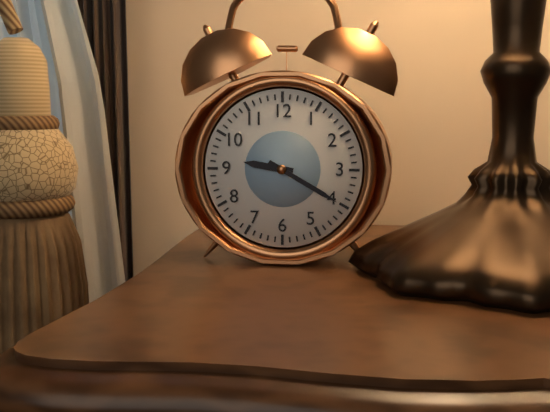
**9:20**
